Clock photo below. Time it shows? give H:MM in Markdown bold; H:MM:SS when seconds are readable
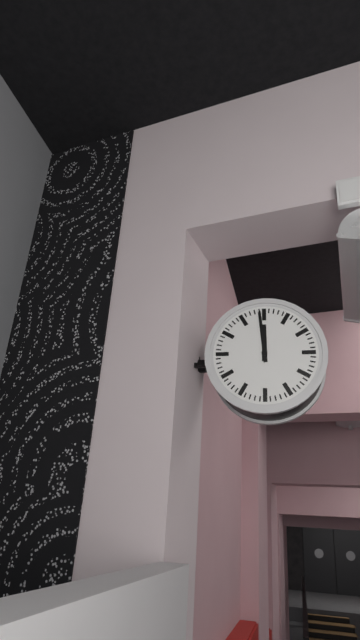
**11:59**
